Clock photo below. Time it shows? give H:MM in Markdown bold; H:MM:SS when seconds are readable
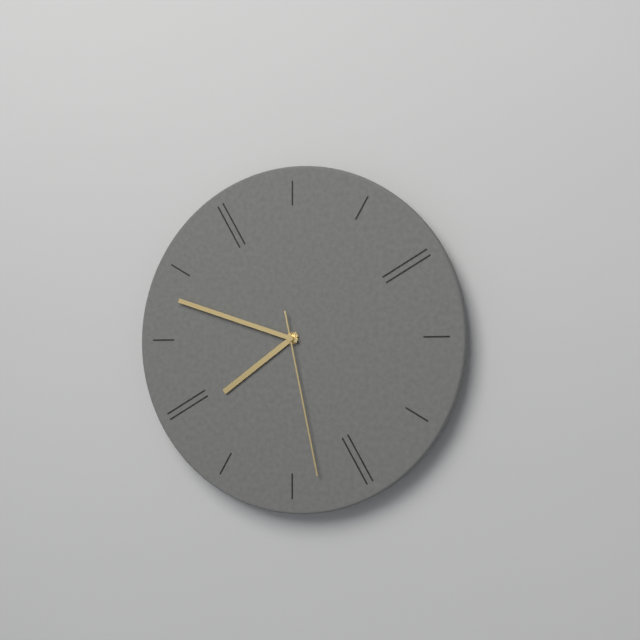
**7:48:28**
